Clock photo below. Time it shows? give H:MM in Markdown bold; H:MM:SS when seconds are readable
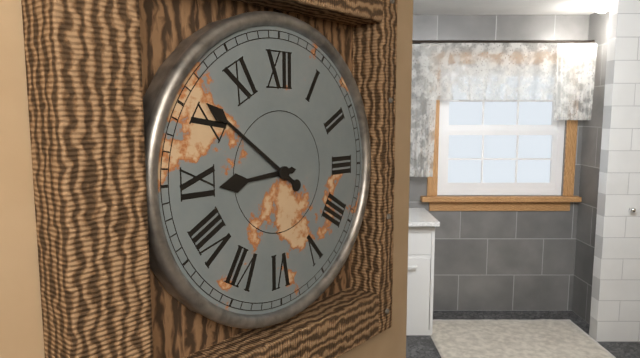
**8:51**
